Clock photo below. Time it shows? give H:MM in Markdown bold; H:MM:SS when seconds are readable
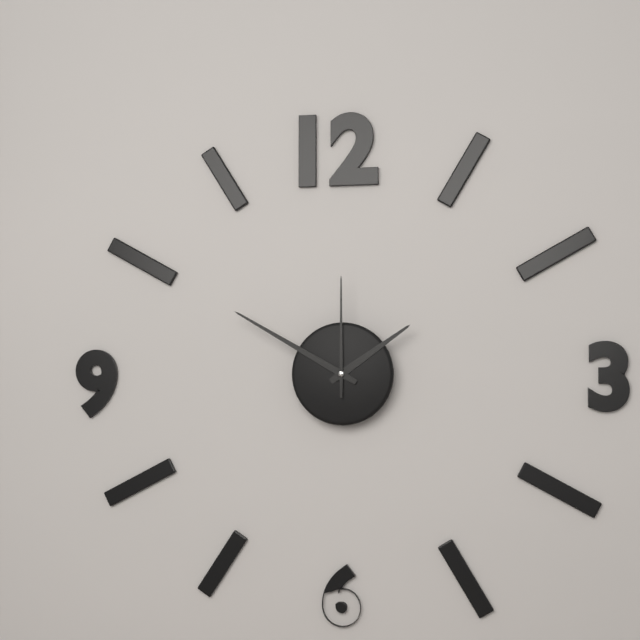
**1:50:00**
